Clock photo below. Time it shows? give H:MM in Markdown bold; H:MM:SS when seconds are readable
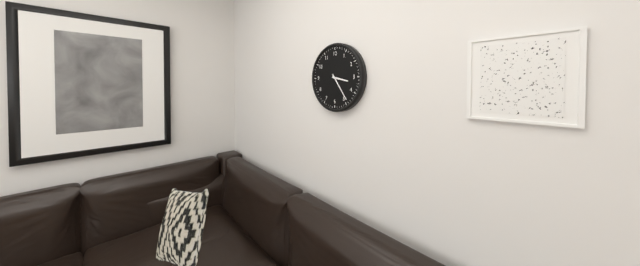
**3:24**
